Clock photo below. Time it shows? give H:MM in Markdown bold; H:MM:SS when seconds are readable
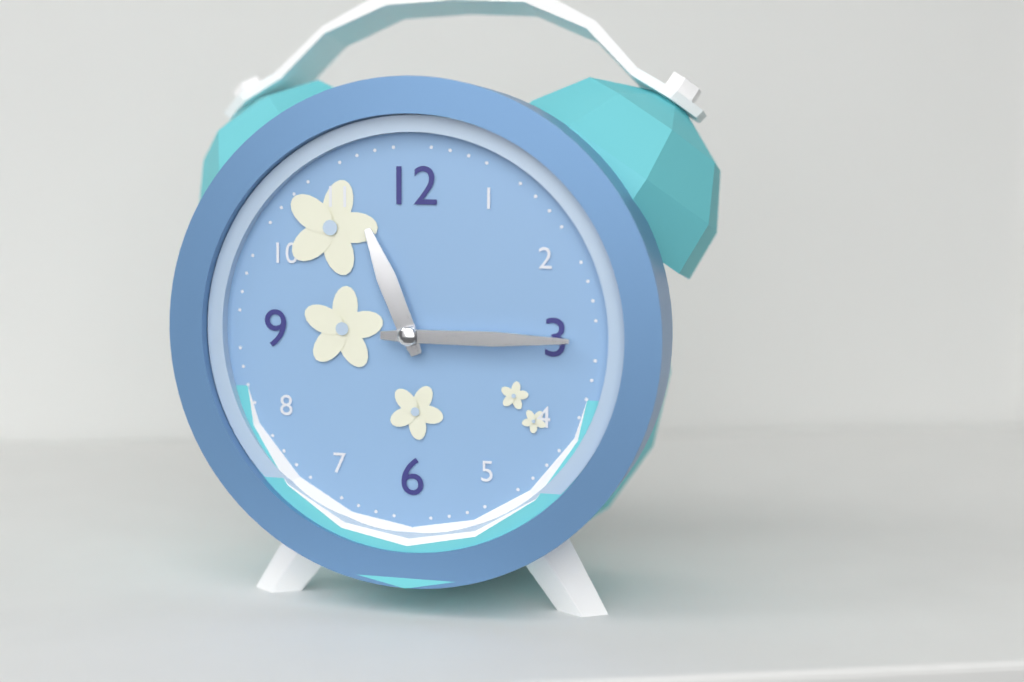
**11:15**
